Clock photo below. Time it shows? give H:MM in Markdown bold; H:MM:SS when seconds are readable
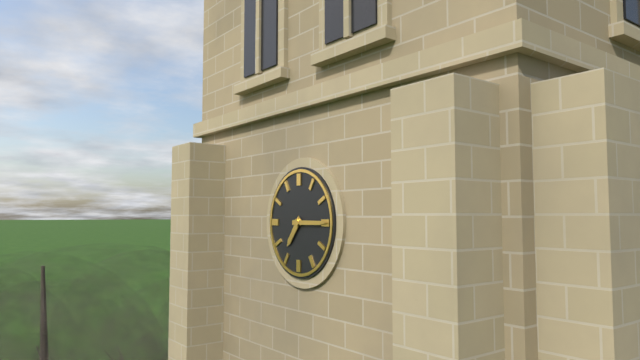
**7:15**
